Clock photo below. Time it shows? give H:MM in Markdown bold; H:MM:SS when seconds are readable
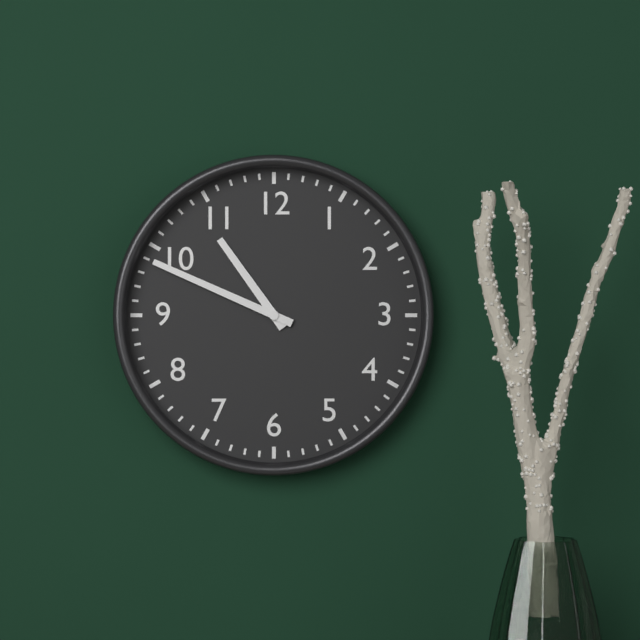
**10:49**
